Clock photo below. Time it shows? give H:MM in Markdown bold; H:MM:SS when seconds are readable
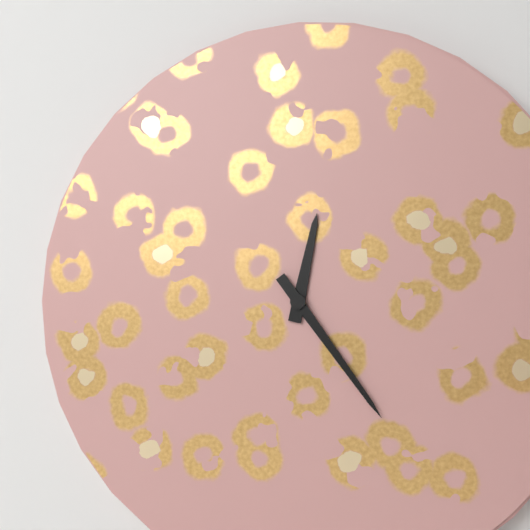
**12:24**
